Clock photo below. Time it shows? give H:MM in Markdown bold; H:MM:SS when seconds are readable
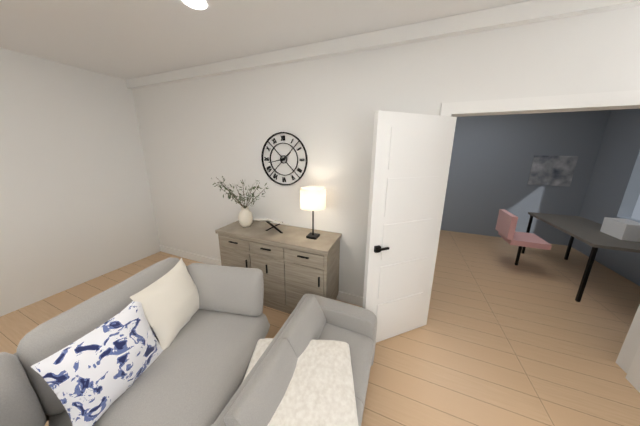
**1:43**
